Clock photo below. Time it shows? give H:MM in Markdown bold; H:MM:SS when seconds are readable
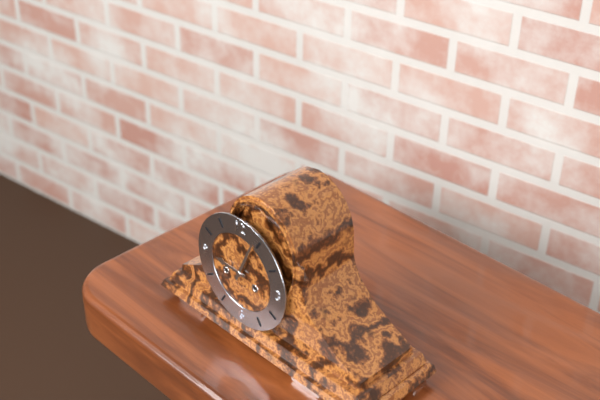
**9:04**
